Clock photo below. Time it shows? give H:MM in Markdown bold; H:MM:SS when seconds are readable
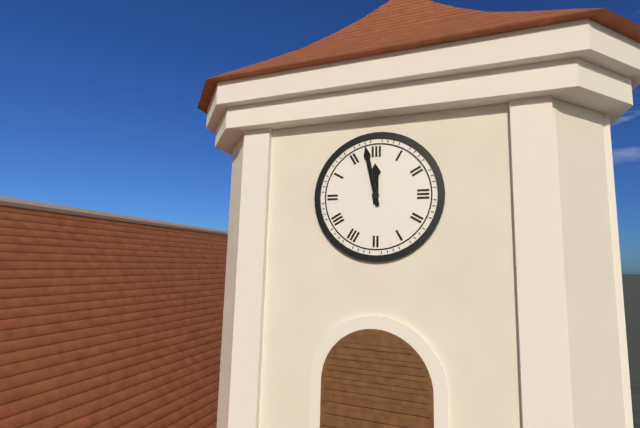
**11:58**
